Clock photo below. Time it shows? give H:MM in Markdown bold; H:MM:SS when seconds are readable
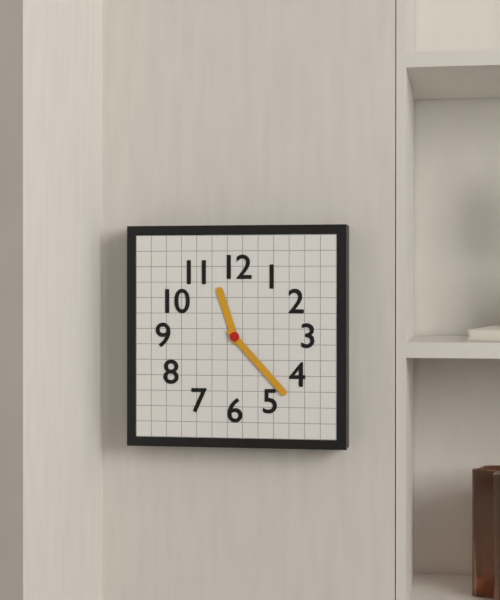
**11:23**
